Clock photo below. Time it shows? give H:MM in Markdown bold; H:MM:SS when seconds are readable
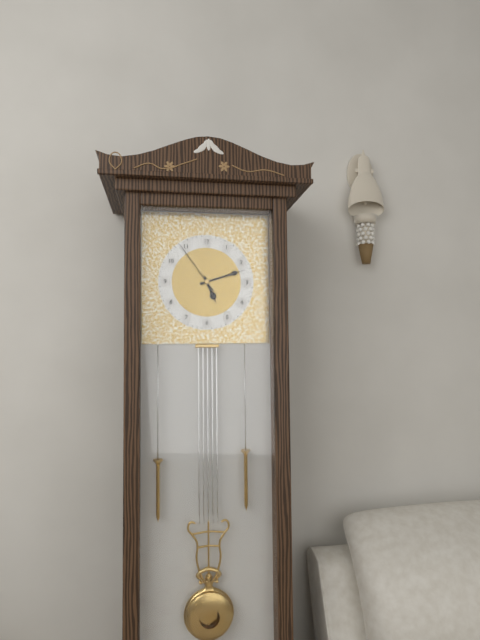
**5:12:54**
